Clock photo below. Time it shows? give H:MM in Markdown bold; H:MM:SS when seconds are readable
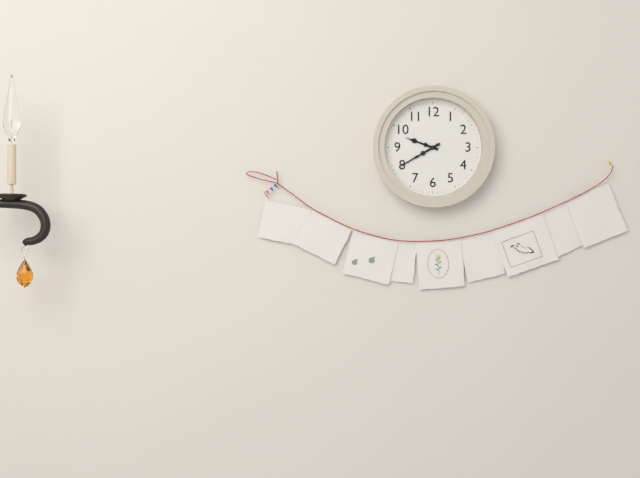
**9:40**
